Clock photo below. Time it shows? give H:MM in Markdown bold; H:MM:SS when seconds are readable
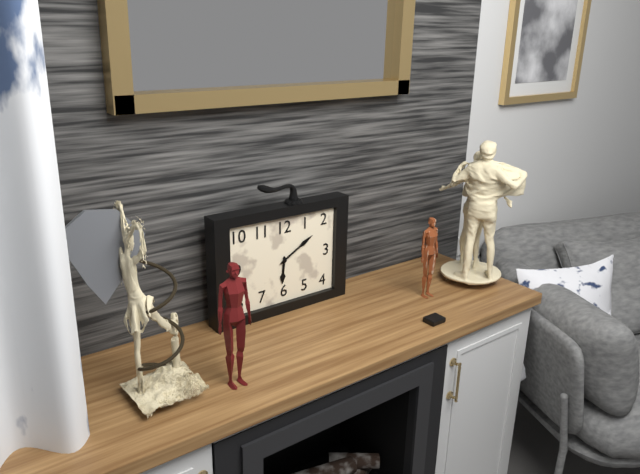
**6:10**
